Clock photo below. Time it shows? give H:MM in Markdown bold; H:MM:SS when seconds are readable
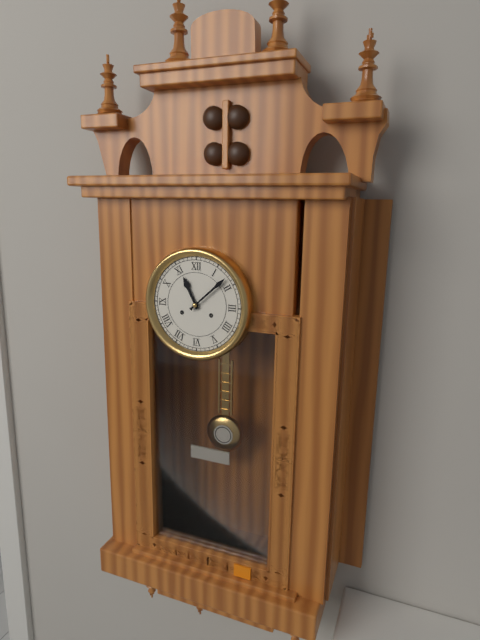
**11:08**
